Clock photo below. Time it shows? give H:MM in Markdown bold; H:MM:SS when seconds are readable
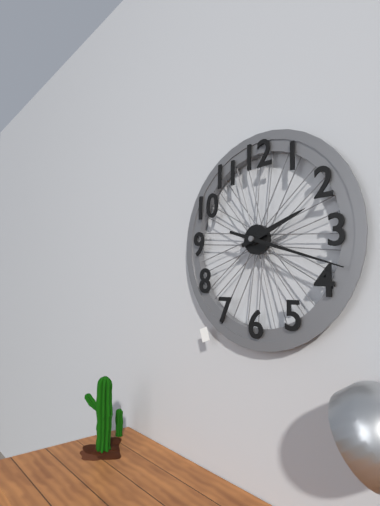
**2:18**
